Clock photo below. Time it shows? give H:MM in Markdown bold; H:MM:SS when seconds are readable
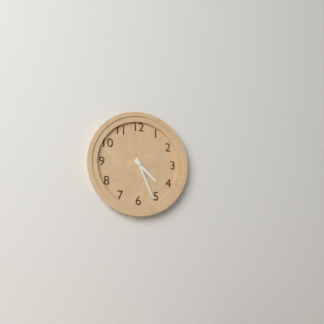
**4:26**
